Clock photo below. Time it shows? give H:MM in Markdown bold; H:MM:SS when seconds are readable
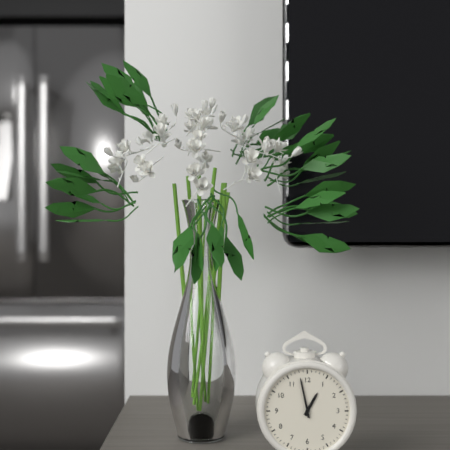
**12:58**
